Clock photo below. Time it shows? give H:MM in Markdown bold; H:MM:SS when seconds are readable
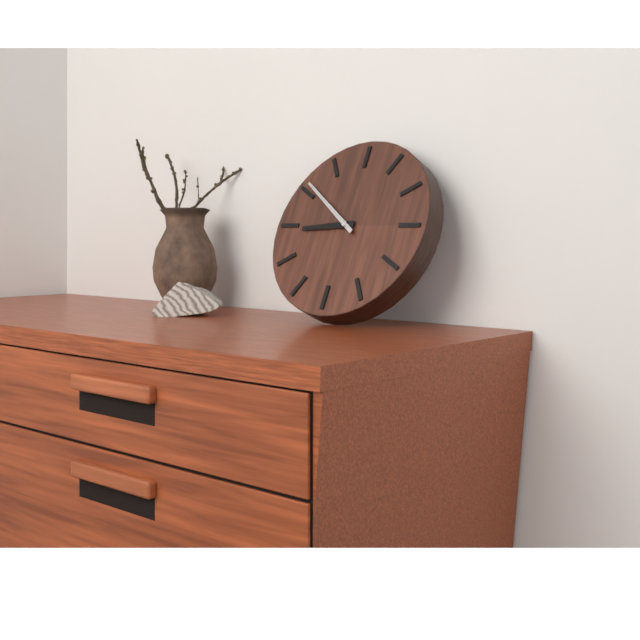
**8:51**
